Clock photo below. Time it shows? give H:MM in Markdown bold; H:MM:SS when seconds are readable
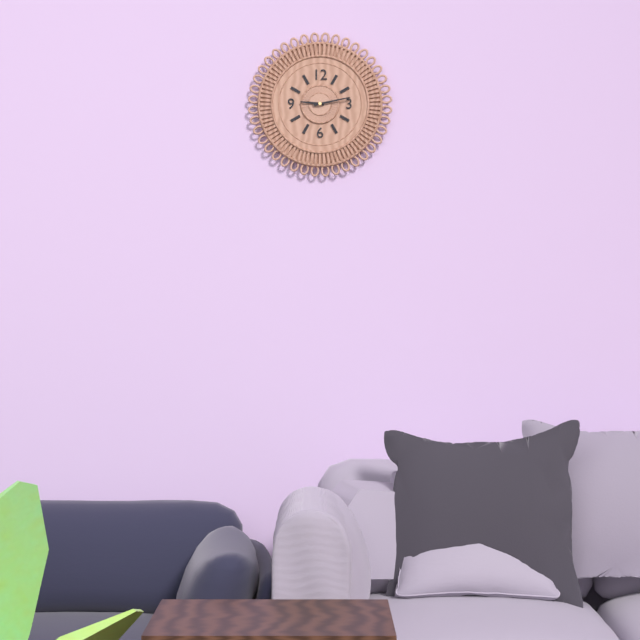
**9:13**
